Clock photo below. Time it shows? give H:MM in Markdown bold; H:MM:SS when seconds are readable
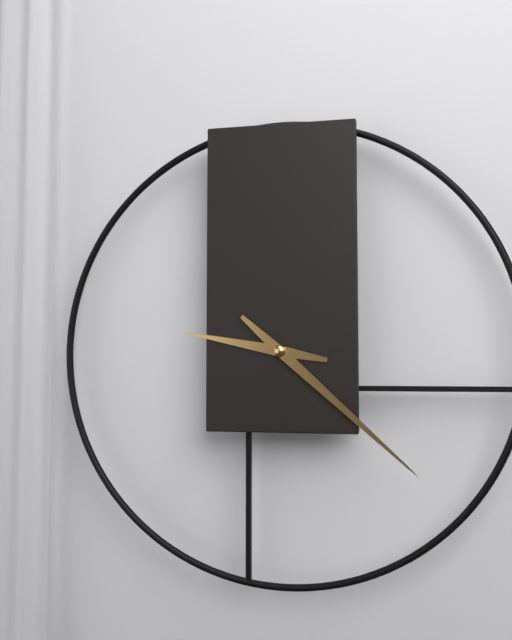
**9:22**
